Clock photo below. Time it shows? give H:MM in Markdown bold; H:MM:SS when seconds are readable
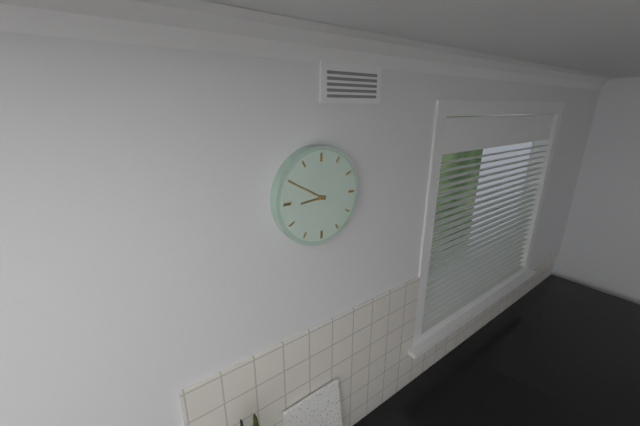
**8:50**
